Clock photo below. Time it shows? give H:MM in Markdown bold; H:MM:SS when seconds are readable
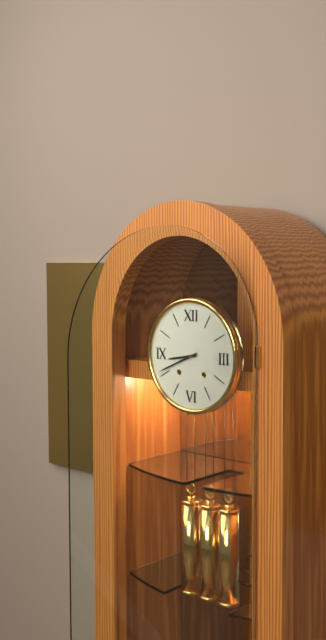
**8:41**
